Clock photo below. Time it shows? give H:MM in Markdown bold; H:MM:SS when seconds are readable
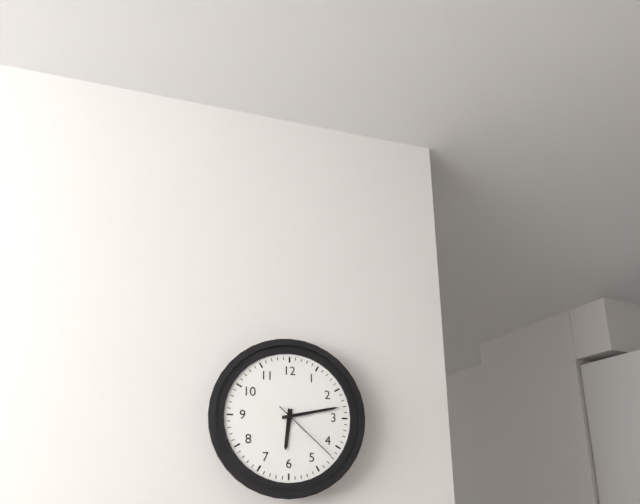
**6:13:22**
